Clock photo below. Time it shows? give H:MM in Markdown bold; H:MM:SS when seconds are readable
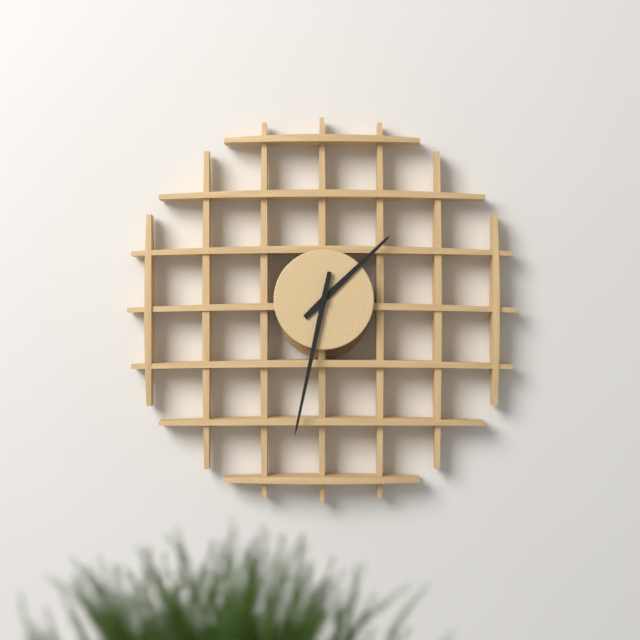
**1:32**
